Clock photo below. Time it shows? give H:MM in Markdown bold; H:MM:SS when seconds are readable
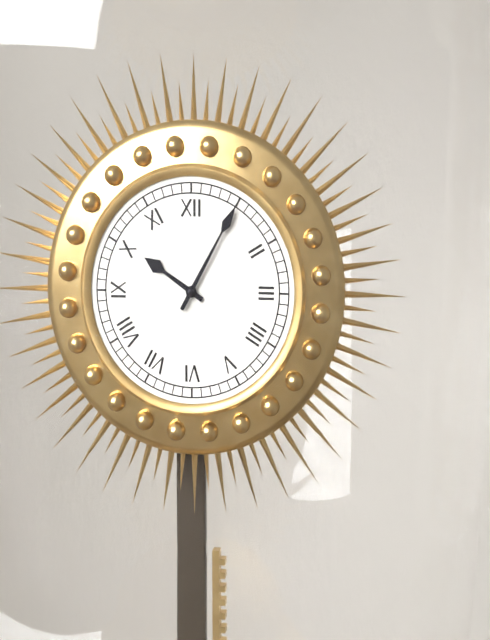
**10:05**
